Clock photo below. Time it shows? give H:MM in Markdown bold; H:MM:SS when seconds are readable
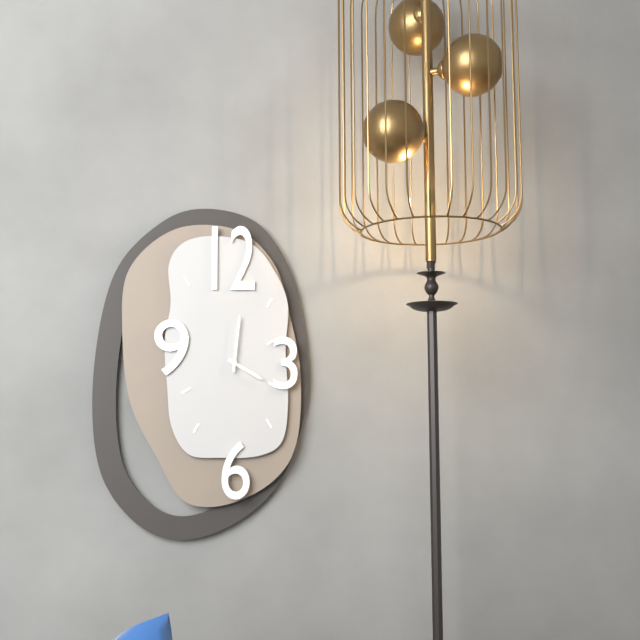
**4:01**
